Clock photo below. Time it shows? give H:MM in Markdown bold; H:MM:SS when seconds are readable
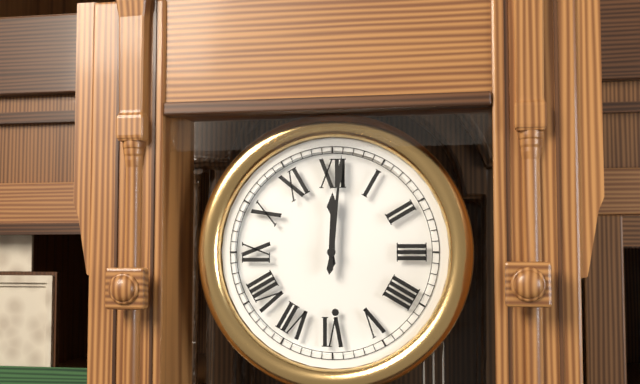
**12:01**
